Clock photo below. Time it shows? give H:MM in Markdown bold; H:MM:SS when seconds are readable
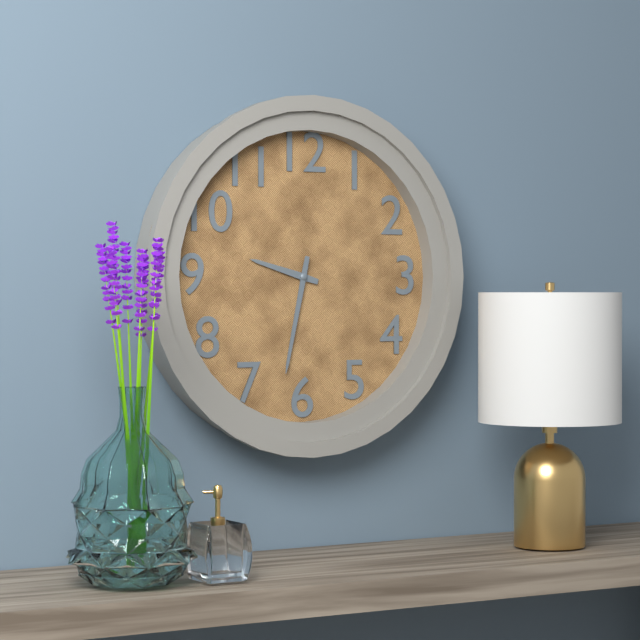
**9:32**
